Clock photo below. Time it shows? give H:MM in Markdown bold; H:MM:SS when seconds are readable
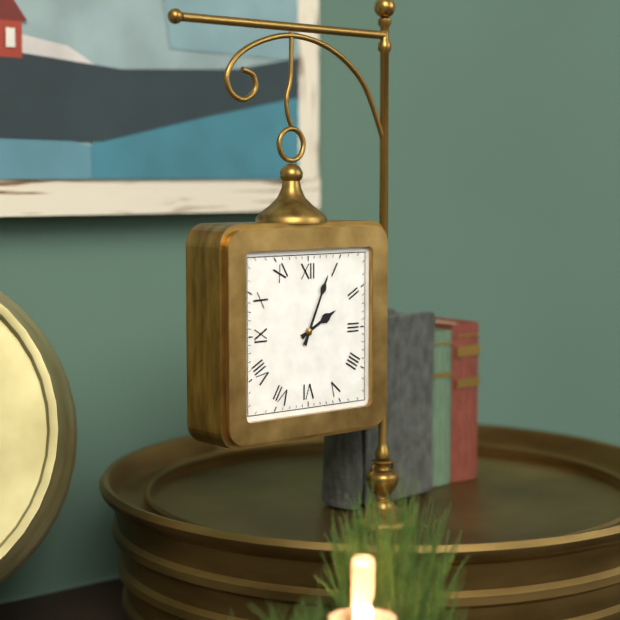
**2:04**
